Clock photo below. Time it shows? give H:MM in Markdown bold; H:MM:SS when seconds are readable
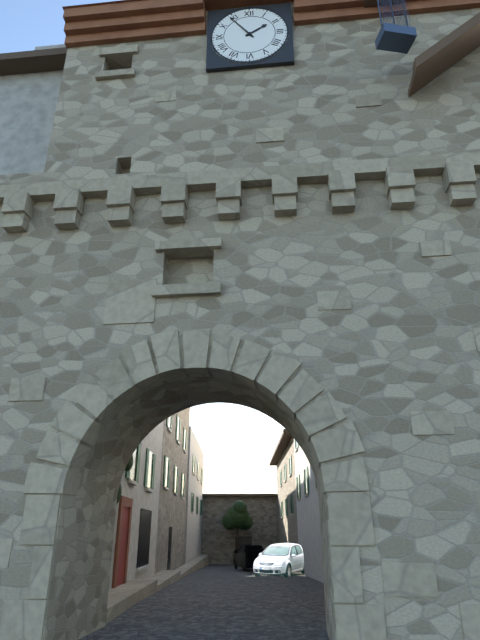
**1:54**
